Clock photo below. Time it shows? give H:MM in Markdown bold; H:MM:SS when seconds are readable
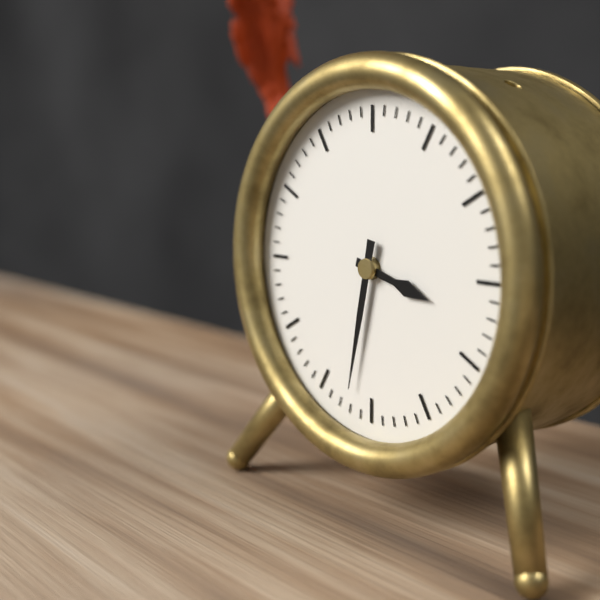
**3:32**
